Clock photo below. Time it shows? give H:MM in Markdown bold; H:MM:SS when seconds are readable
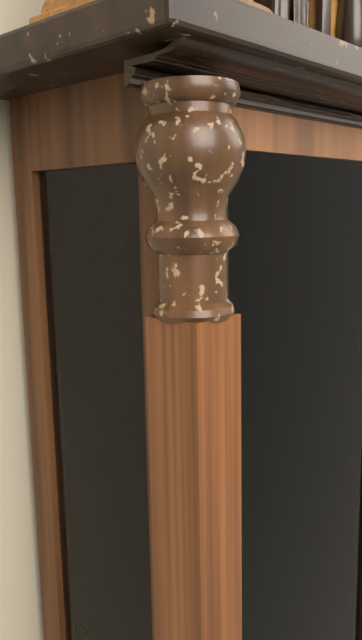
**3:30**
